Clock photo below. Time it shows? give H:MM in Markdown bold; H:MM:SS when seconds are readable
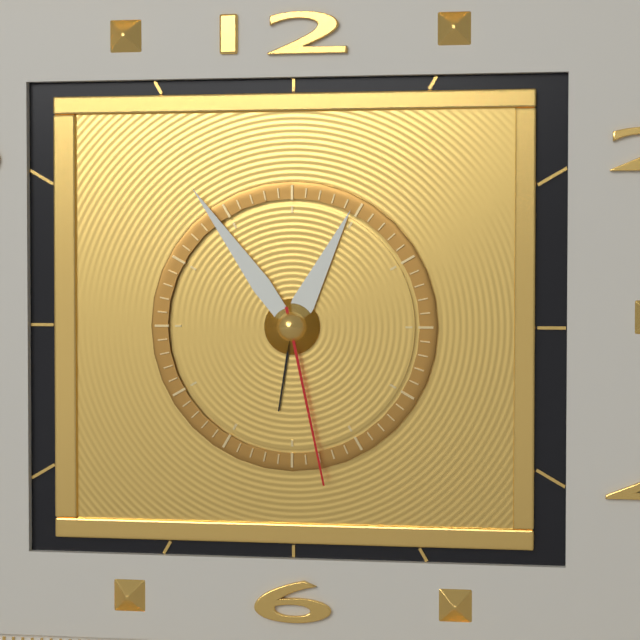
**12:54:28**
